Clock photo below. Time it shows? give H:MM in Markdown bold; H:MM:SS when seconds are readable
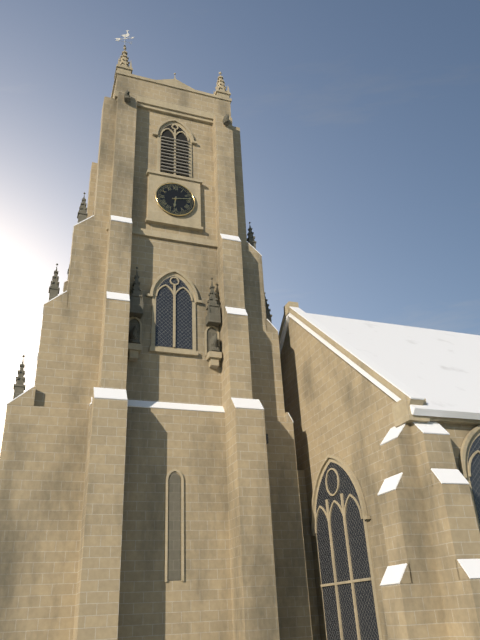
**6:13**
